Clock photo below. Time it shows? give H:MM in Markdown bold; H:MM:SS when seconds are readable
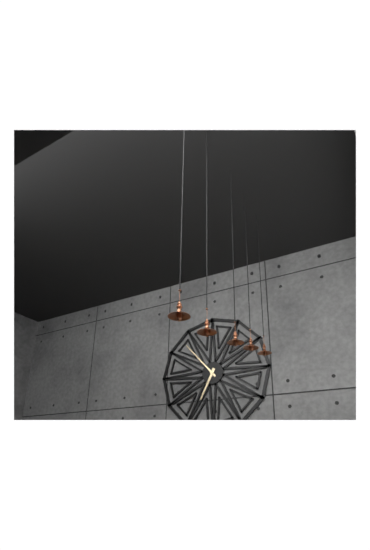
**6:53**
